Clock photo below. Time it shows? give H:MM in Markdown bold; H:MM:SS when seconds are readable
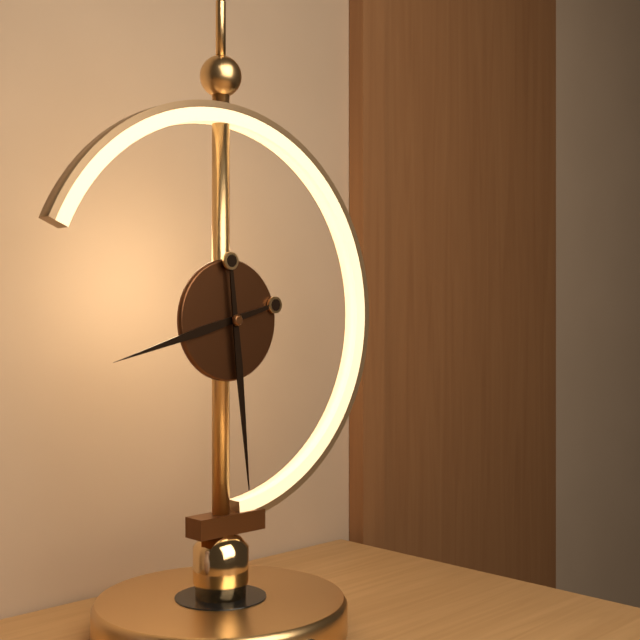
**8:29**
